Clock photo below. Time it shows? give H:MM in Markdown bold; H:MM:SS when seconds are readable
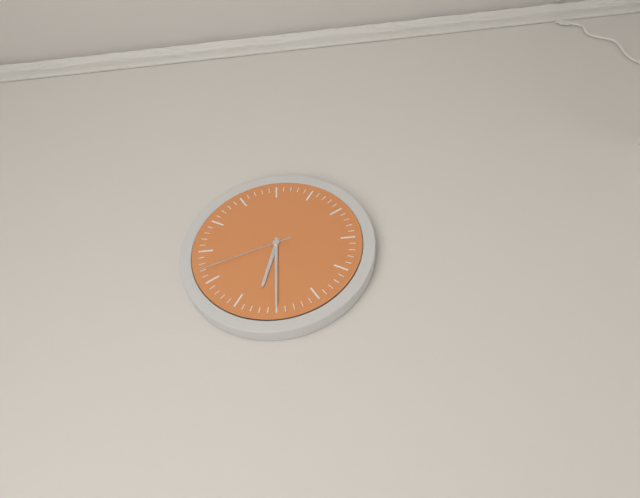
**6:30:42**
